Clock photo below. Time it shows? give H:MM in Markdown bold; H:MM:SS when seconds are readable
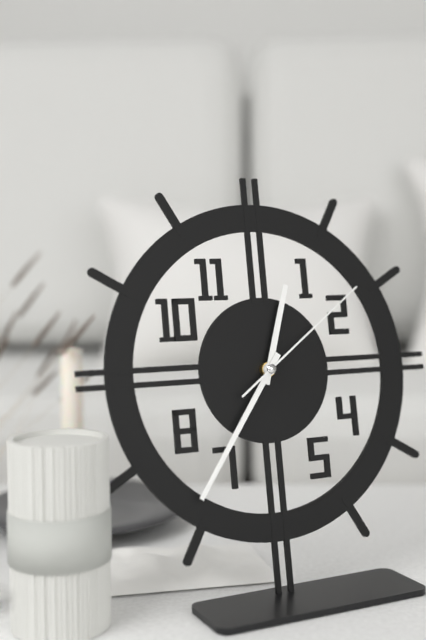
**12:36:09**
